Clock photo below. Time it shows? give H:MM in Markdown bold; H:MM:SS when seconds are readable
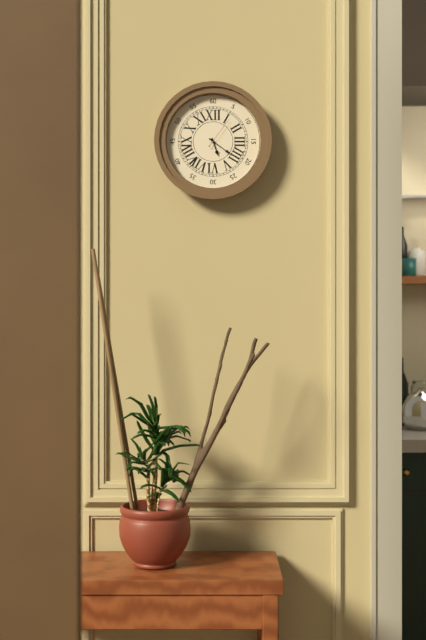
**5:21**
